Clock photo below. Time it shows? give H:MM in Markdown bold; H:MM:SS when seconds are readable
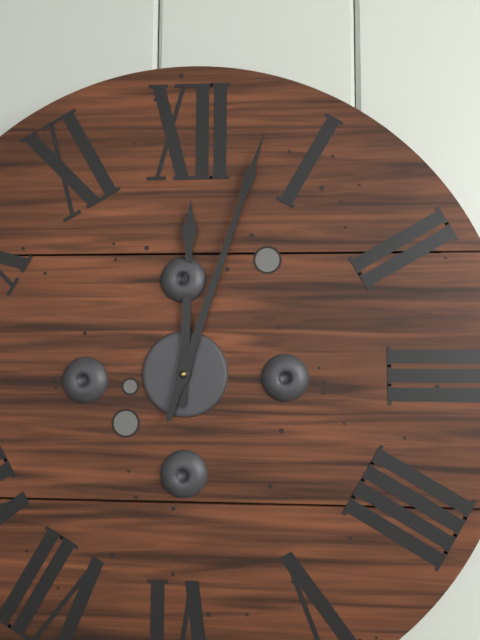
**12:03**
